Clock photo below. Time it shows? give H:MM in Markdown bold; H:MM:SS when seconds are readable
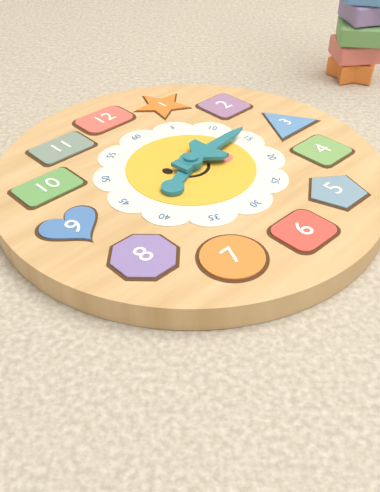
**8:14**
